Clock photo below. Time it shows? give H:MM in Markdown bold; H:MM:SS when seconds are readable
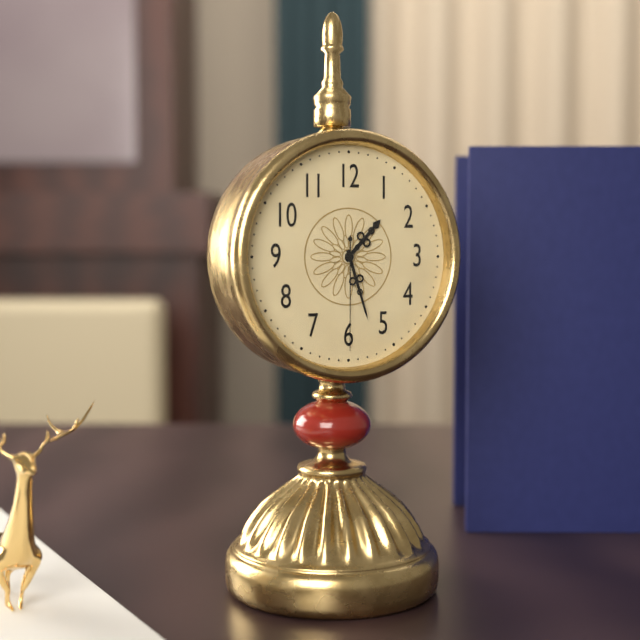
**1:27:30**
